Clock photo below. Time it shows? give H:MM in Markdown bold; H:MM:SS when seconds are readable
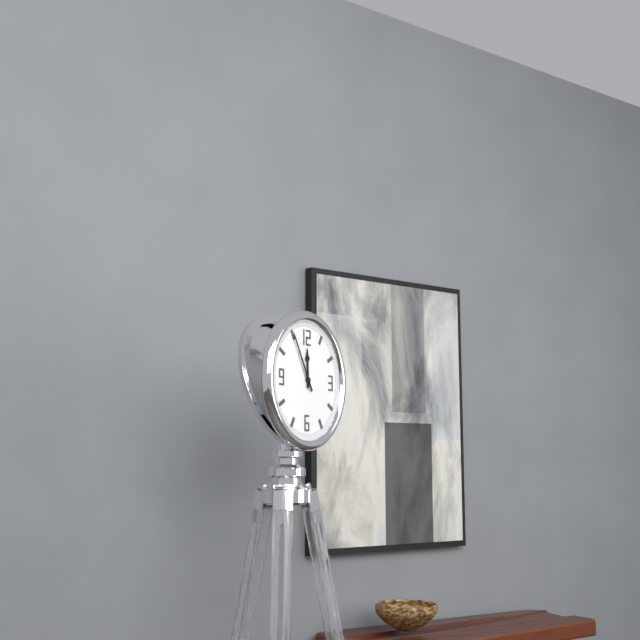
**11:55**
